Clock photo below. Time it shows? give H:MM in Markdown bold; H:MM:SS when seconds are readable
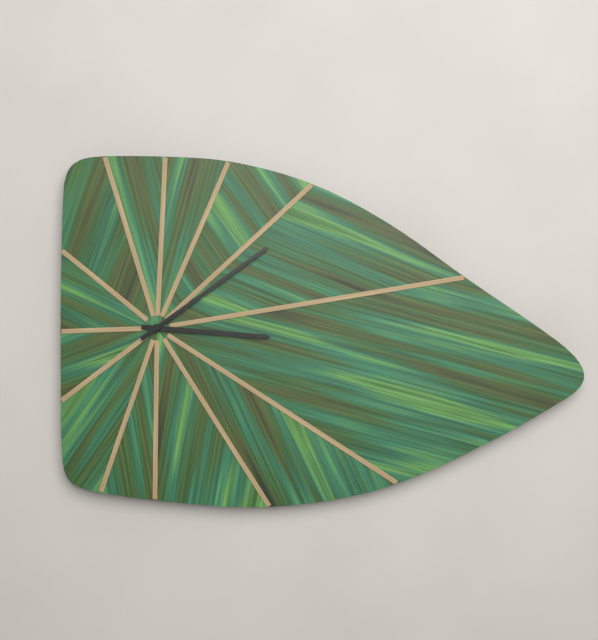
**3:09**
